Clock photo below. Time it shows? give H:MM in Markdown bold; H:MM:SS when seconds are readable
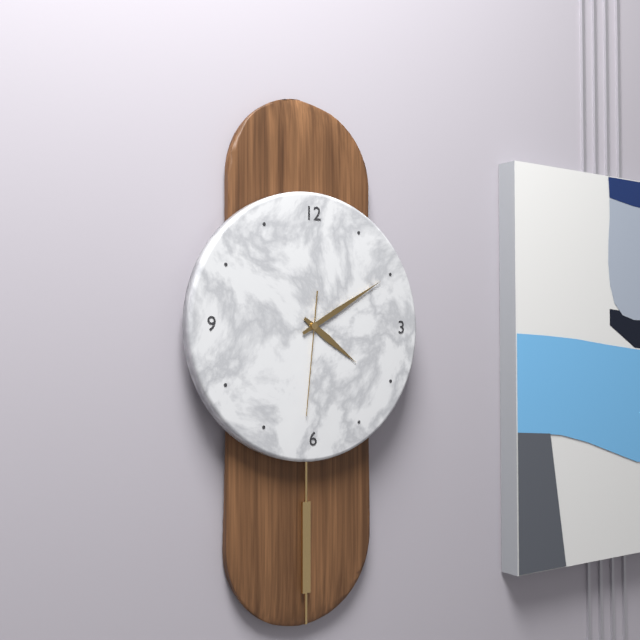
**4:10:31**
